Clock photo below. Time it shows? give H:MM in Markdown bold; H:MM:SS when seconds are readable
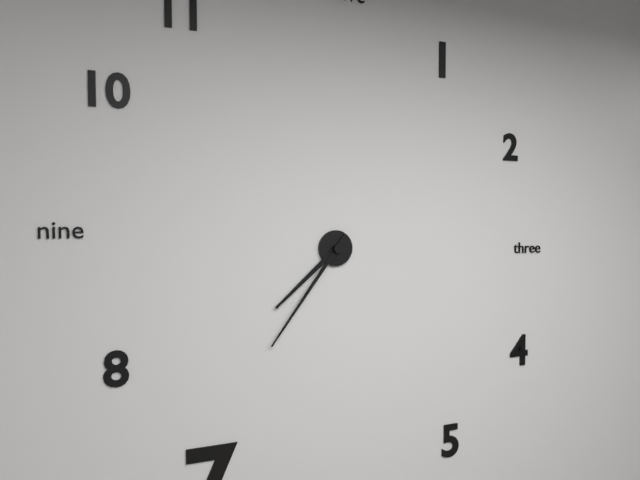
**7:36**
